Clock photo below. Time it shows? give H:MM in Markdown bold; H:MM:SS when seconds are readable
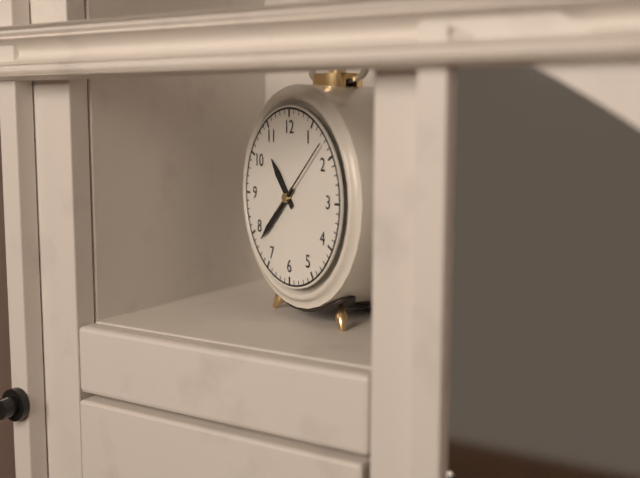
**10:38:08**
